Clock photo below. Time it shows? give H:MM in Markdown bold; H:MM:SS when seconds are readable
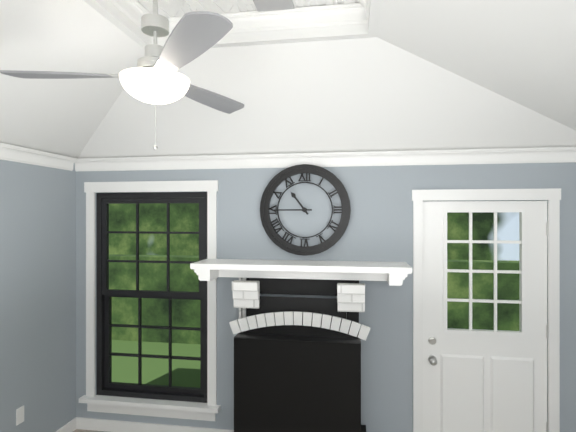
**10:45**
